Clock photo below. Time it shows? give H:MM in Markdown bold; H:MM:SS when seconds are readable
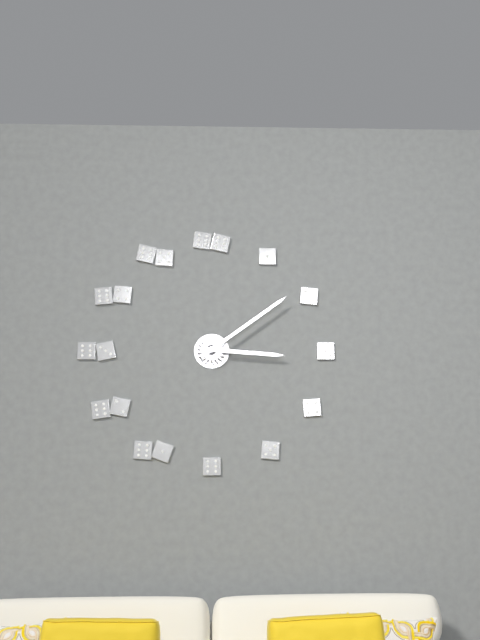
**3:09**
